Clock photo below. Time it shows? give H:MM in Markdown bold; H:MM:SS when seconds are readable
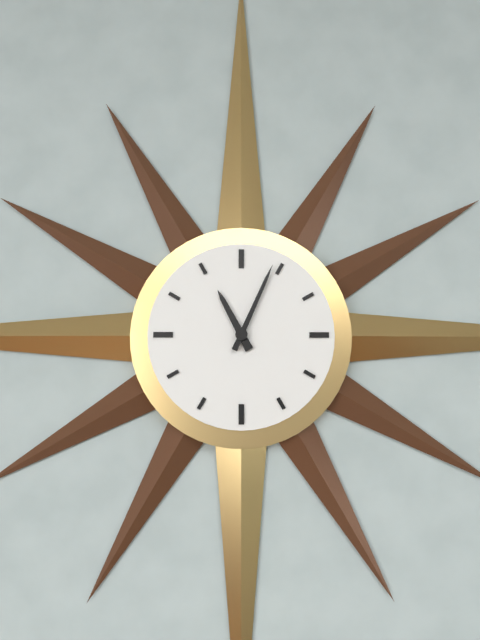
**11:04**
